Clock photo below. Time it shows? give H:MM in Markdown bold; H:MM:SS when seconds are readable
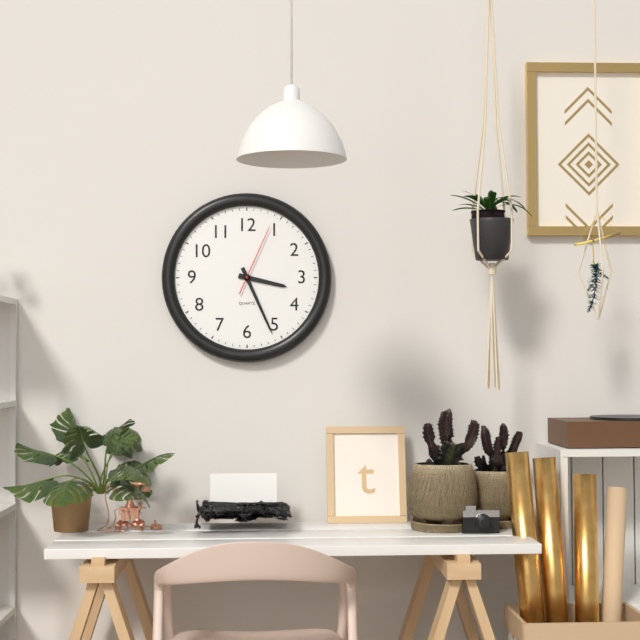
**3:26:04**
